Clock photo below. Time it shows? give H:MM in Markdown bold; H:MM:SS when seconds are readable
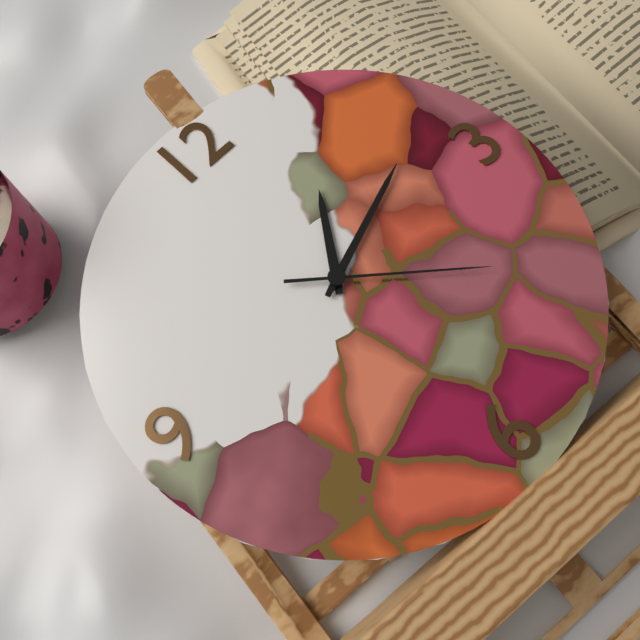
**1:12:22**
